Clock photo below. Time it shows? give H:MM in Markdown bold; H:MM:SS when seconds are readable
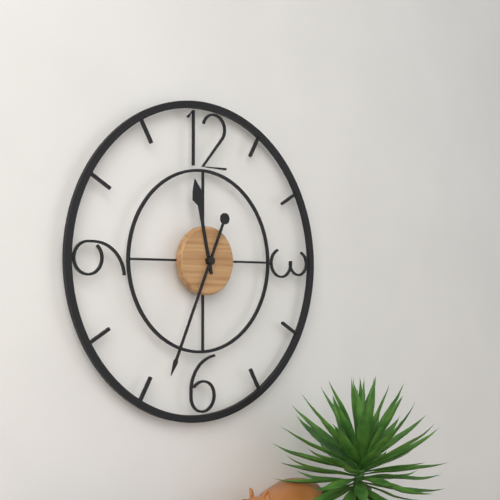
**11:34**
